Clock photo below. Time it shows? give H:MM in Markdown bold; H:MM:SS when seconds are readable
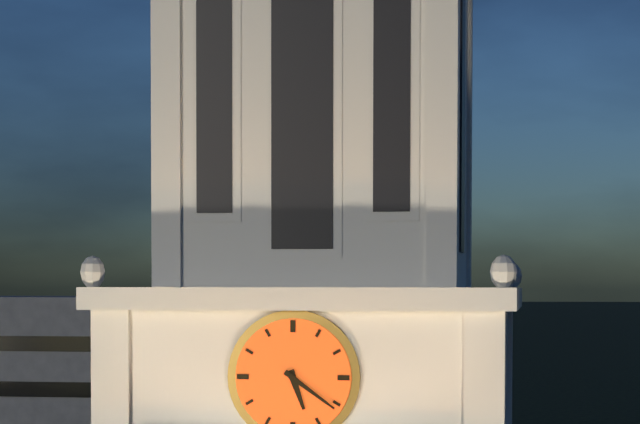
**5:21**
